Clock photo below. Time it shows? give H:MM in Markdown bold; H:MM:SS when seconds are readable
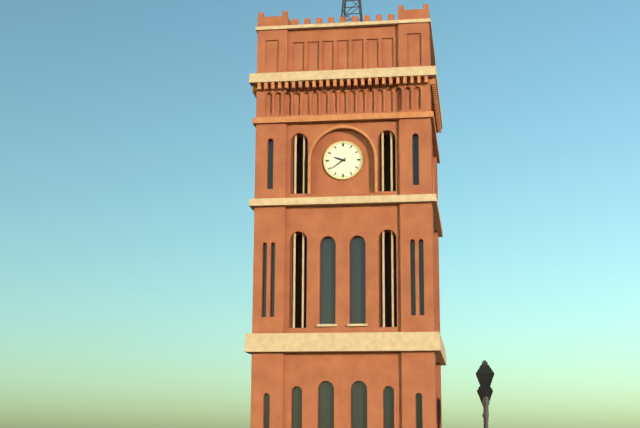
**9:39**
